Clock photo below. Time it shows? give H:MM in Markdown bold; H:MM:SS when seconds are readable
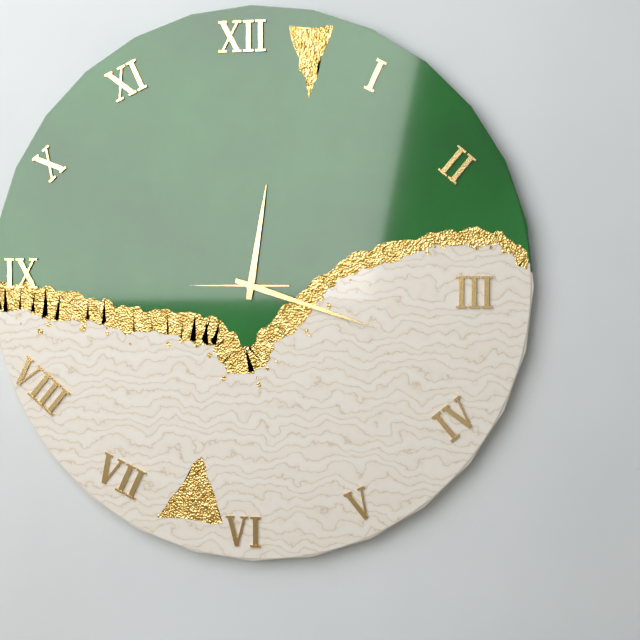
**12:18:45**
